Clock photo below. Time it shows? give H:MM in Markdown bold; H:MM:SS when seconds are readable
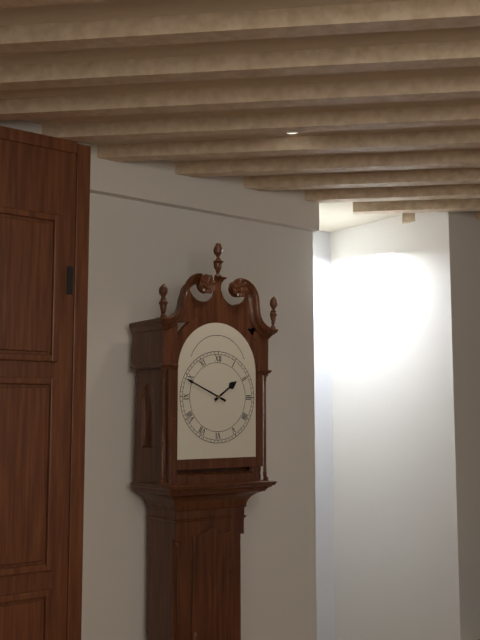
**1:49**
